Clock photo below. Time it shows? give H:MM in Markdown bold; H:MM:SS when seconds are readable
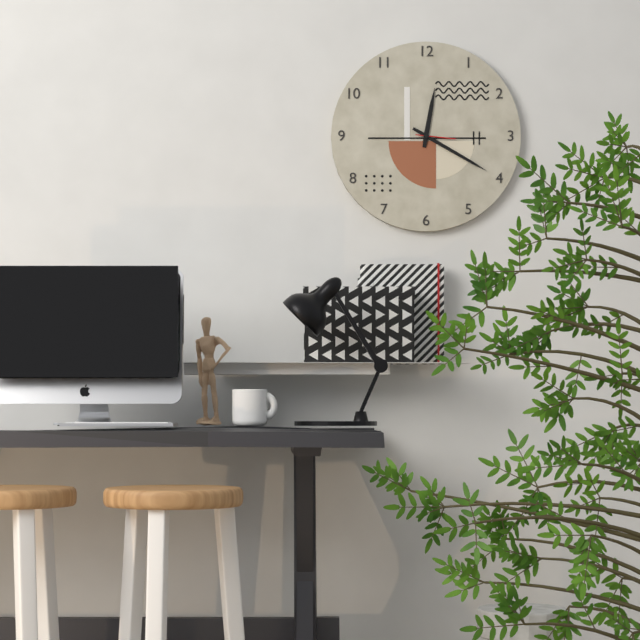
**12:20**
